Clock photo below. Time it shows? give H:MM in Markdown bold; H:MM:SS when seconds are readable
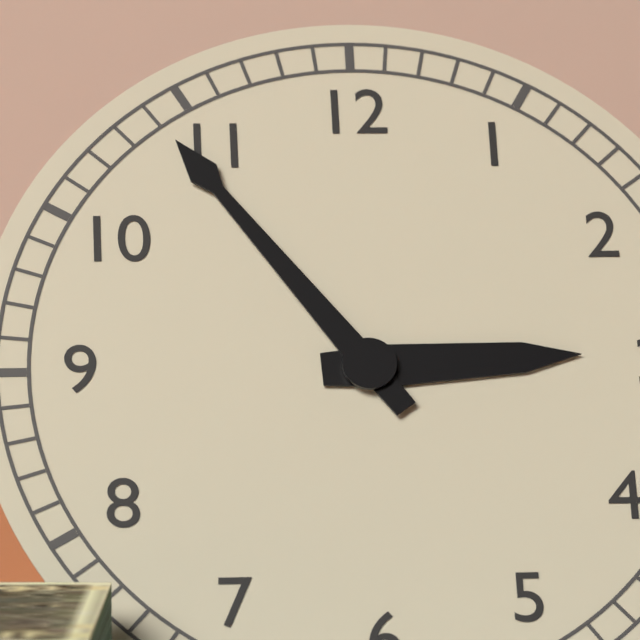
**2:54**
